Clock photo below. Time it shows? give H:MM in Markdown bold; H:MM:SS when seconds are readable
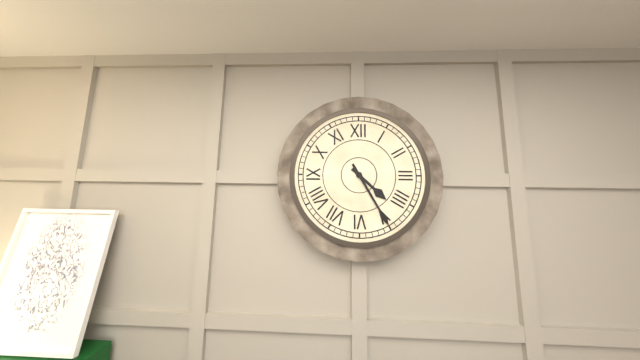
**4:25**
